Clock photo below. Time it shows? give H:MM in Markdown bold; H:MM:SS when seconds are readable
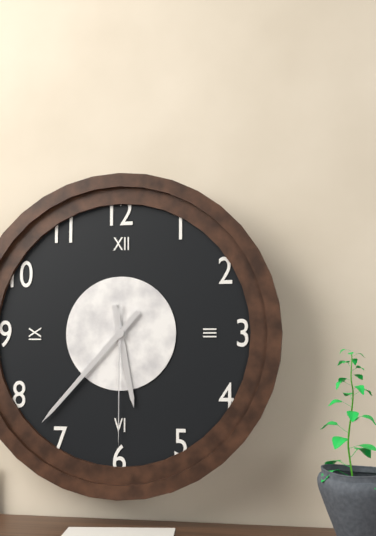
**5:37:30**
